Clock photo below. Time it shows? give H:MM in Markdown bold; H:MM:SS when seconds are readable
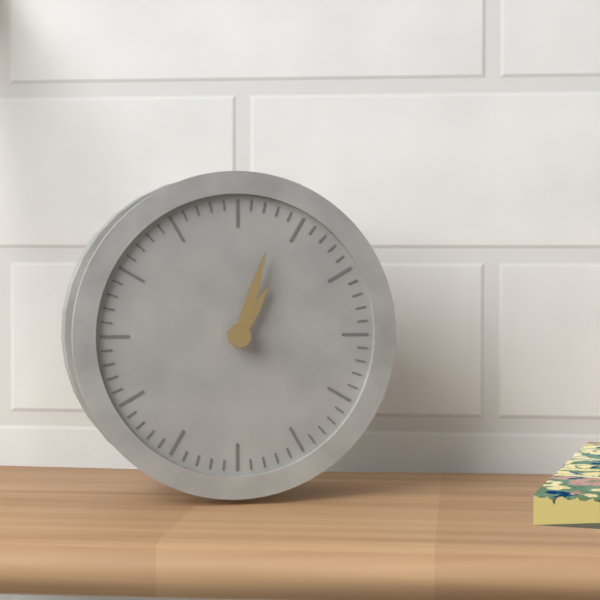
**1:03**
